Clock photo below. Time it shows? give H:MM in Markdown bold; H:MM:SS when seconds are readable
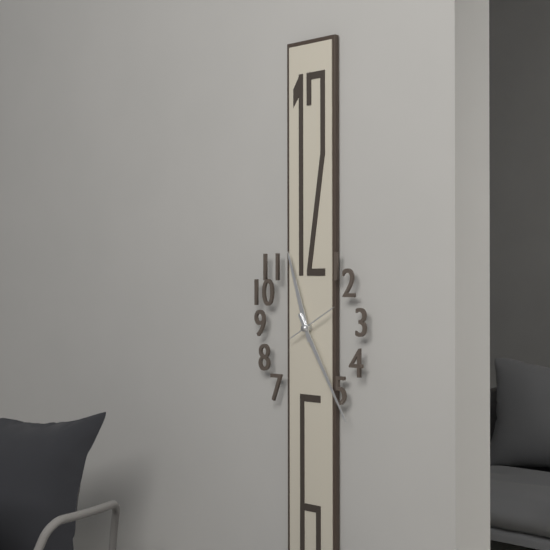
**11:25**
